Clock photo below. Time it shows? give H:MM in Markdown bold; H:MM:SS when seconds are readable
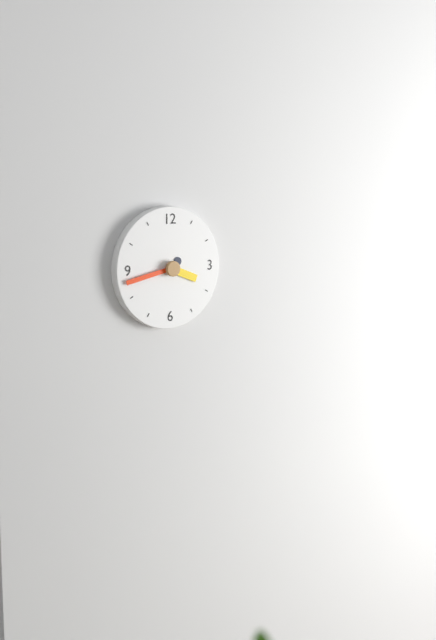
**3:43**
